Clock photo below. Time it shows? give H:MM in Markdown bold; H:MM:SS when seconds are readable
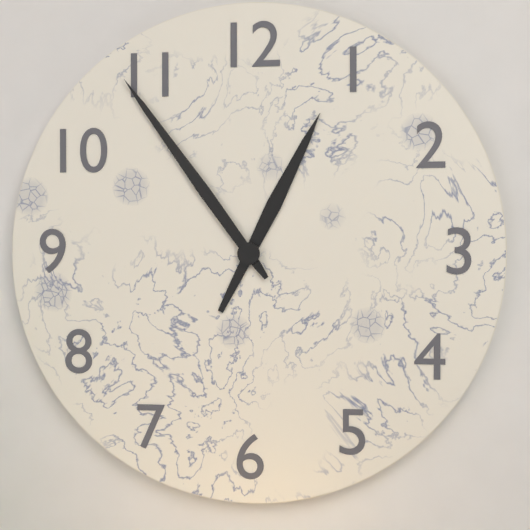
**12:54**
